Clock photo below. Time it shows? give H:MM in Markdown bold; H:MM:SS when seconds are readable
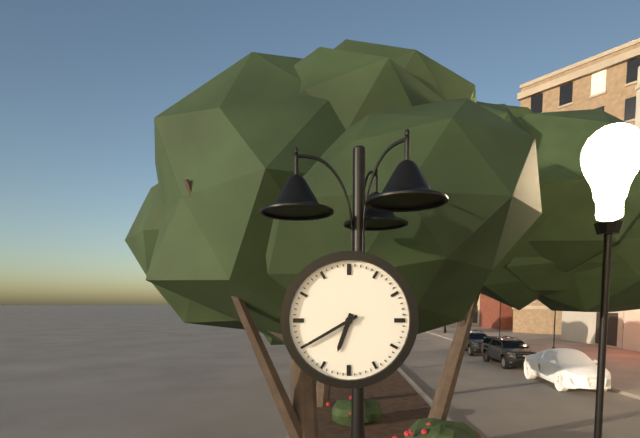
**6:40**
